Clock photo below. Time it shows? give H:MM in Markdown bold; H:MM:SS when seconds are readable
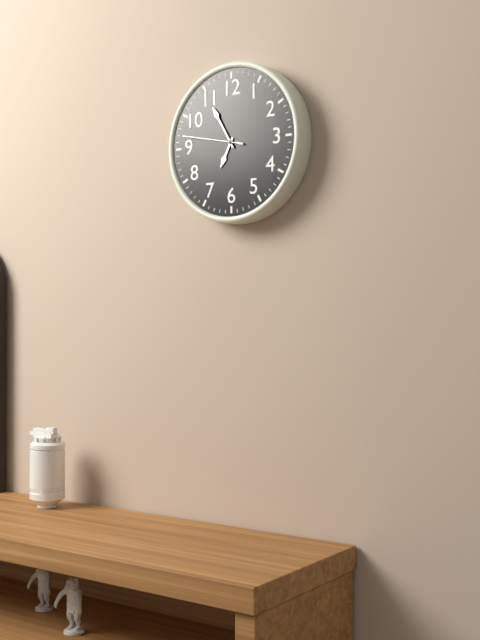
**6:55:47**
